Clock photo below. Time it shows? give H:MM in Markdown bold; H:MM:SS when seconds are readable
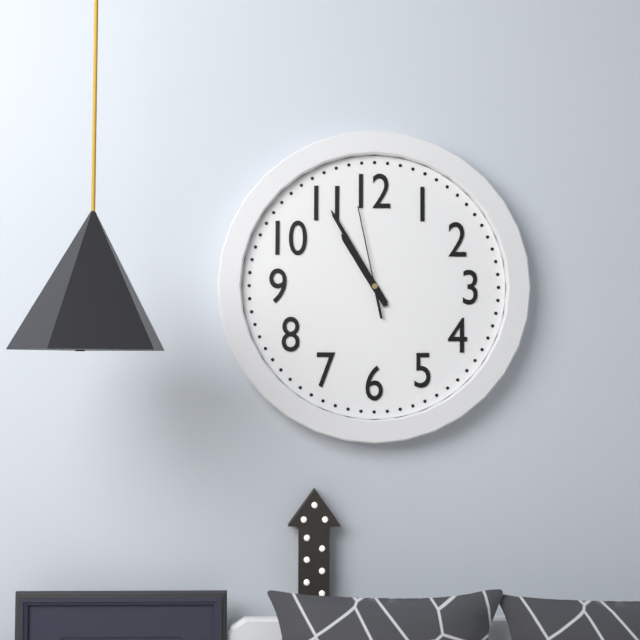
**10:55:58**
